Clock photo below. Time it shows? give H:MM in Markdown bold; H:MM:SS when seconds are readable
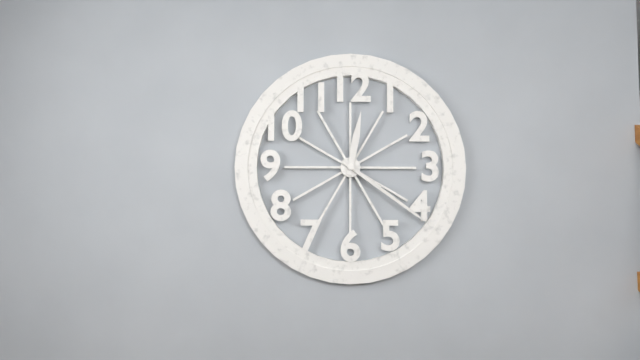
**12:21**
